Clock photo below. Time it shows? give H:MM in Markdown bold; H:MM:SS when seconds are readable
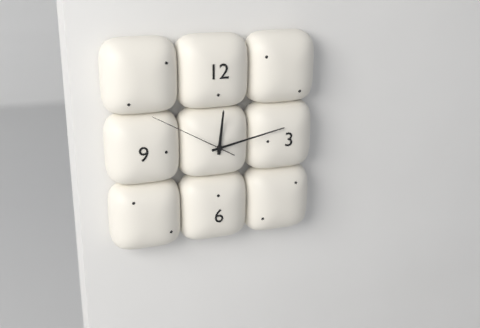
**12:13:50**
